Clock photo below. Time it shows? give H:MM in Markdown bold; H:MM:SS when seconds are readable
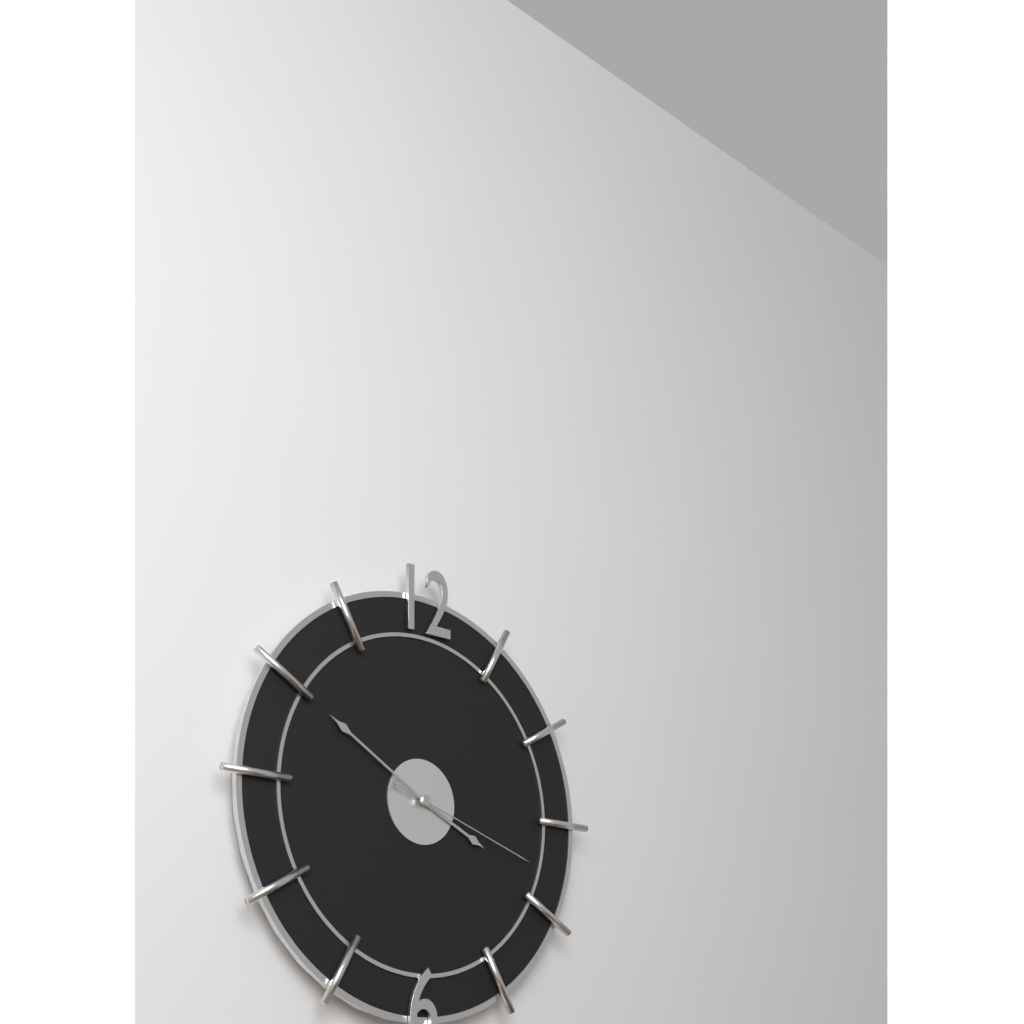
**3:50:18**
